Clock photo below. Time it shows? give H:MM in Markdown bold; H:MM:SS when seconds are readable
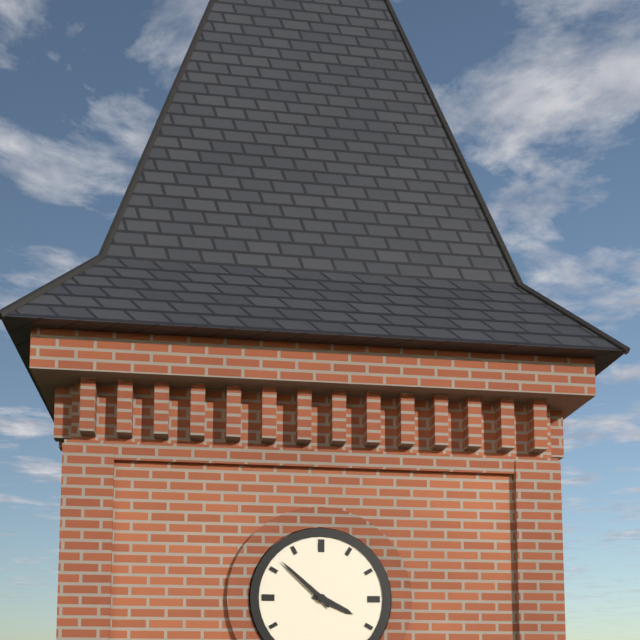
**3:52**
